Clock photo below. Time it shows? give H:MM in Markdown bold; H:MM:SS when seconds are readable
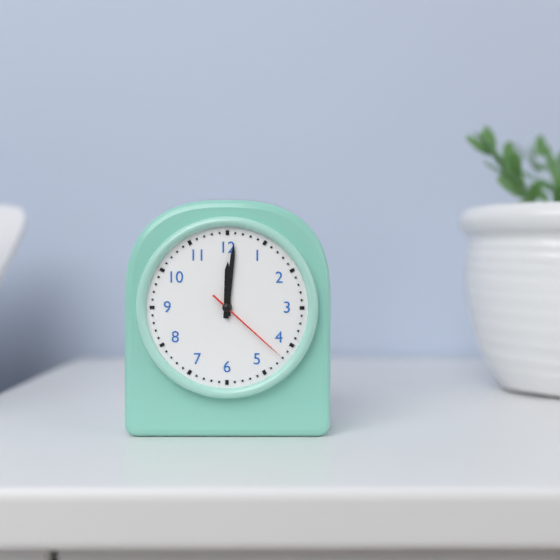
**12:01:22**
